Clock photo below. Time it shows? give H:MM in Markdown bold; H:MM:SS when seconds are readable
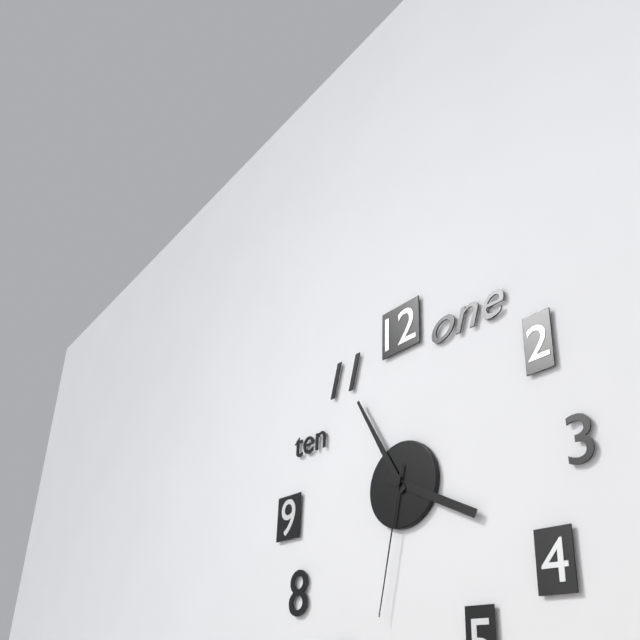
**3:55:32**
